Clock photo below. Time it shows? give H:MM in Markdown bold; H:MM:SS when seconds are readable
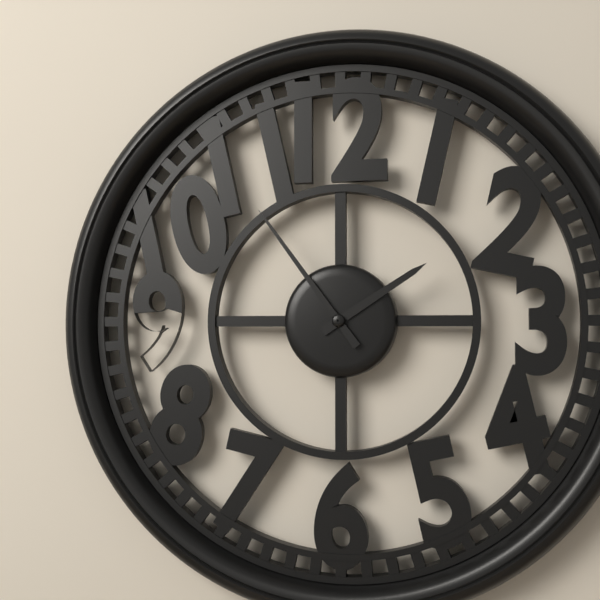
**1:54**
